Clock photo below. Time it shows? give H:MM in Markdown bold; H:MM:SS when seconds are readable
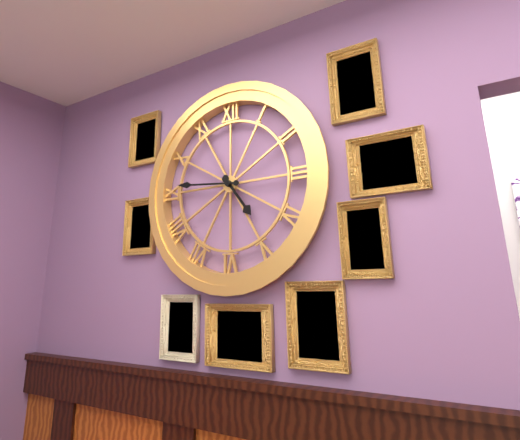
**4:46**
